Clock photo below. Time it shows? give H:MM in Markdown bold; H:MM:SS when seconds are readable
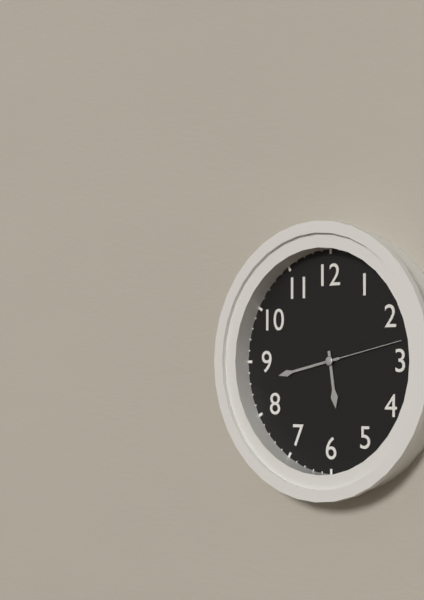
**5:43:13**
